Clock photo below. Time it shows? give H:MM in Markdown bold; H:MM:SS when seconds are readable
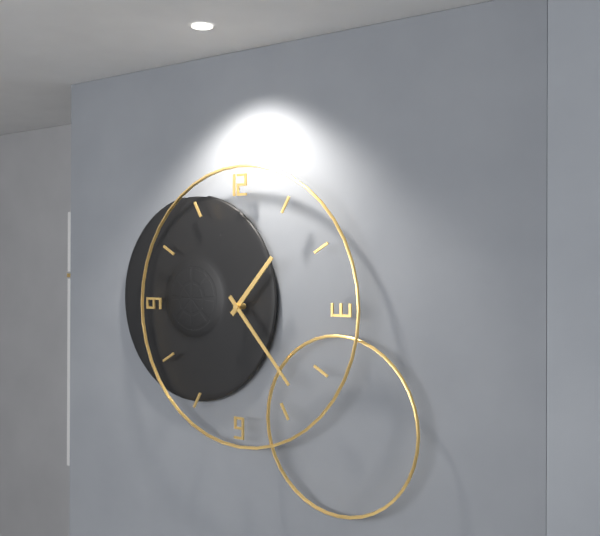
**1:23**
